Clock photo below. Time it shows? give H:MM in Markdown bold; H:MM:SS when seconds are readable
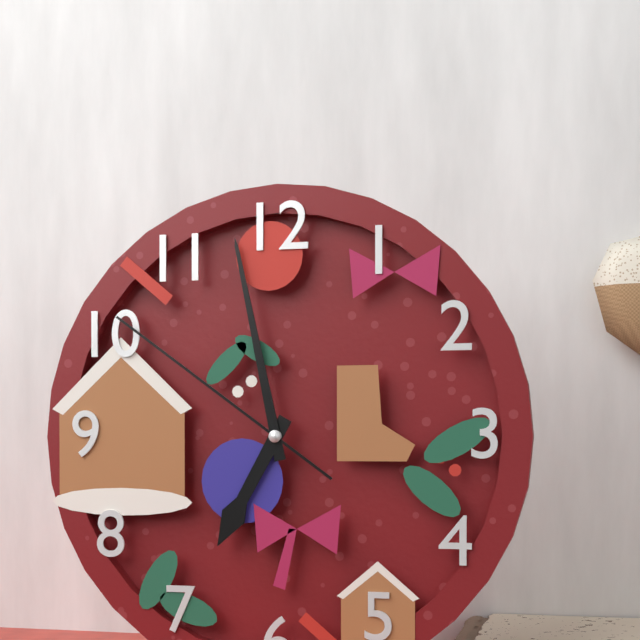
**6:58:51**
